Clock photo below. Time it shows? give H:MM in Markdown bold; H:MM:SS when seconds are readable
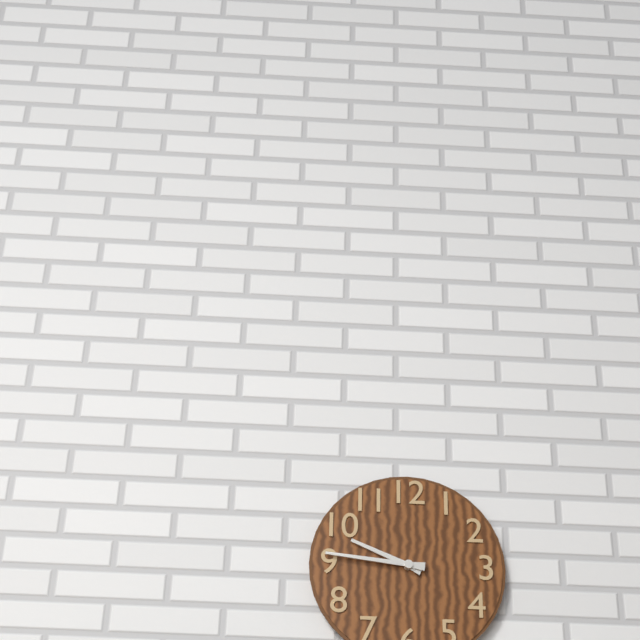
**9:46**
